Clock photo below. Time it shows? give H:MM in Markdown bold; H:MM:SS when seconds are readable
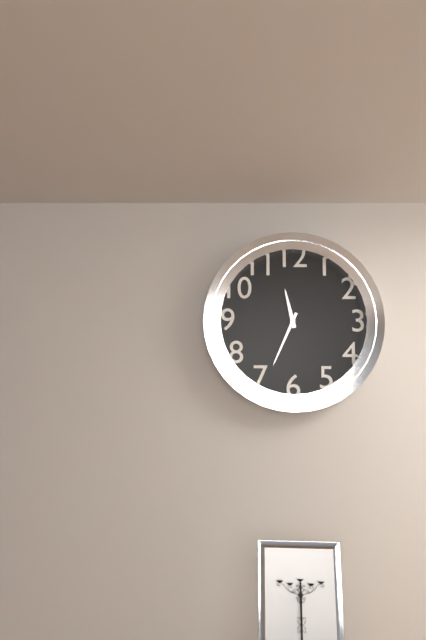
**11:34**
